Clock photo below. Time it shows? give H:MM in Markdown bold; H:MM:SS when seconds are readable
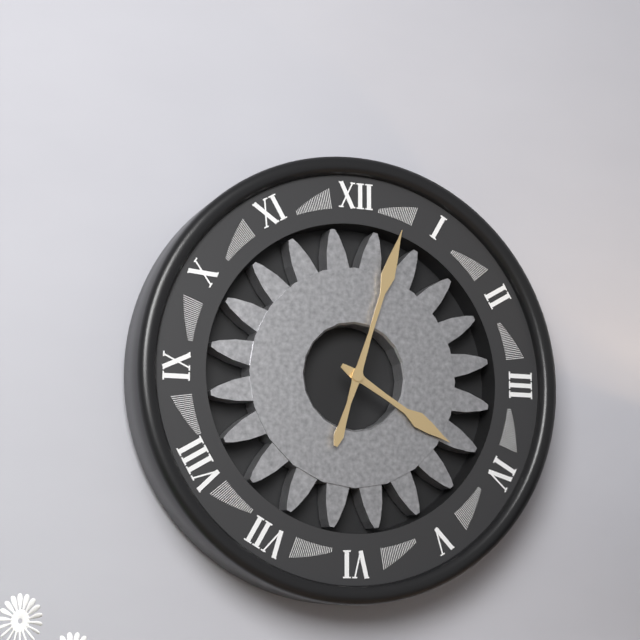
**4:03**
